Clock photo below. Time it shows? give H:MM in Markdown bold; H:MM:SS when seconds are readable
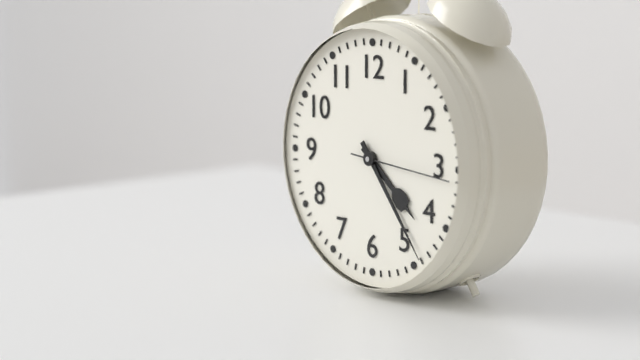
**4:24:16**
